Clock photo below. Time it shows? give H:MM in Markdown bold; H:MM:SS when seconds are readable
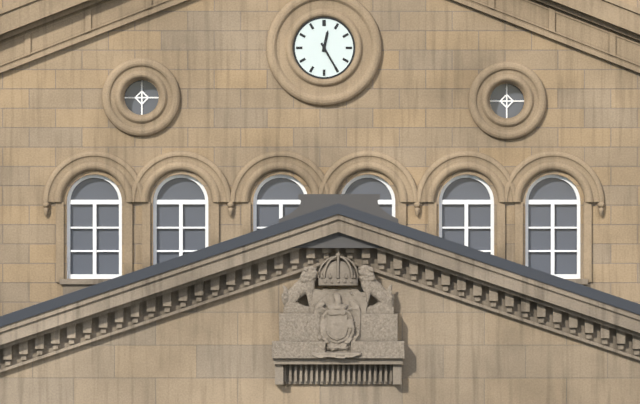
**12:25**
